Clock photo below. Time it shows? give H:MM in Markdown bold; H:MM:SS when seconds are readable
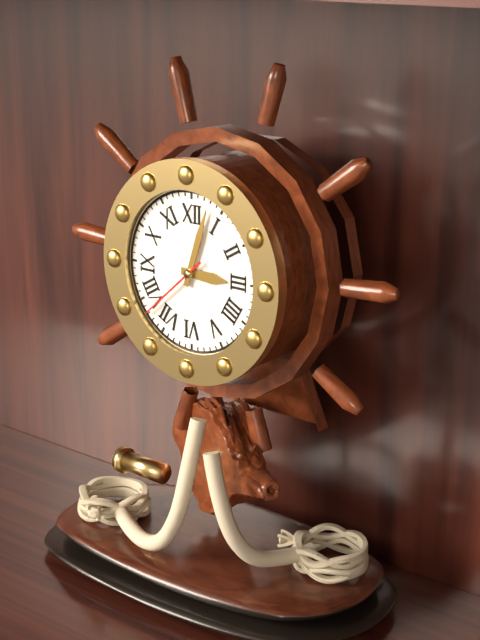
**3:03:38**
